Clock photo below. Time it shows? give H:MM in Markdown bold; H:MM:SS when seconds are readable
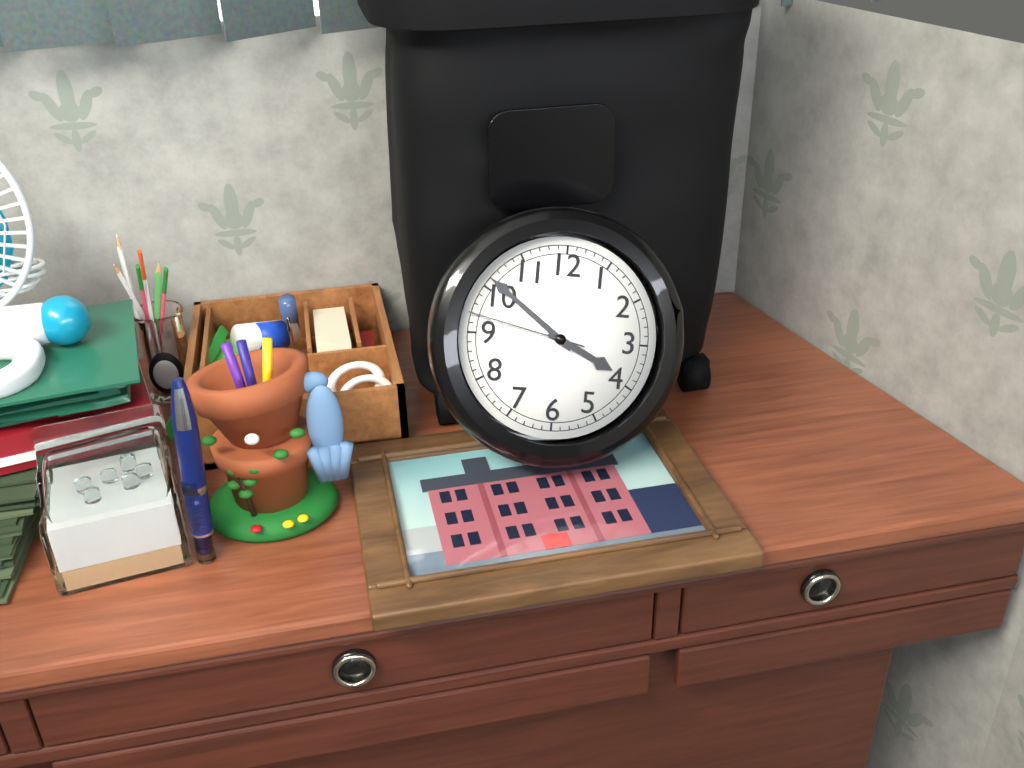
**3:51:47**
